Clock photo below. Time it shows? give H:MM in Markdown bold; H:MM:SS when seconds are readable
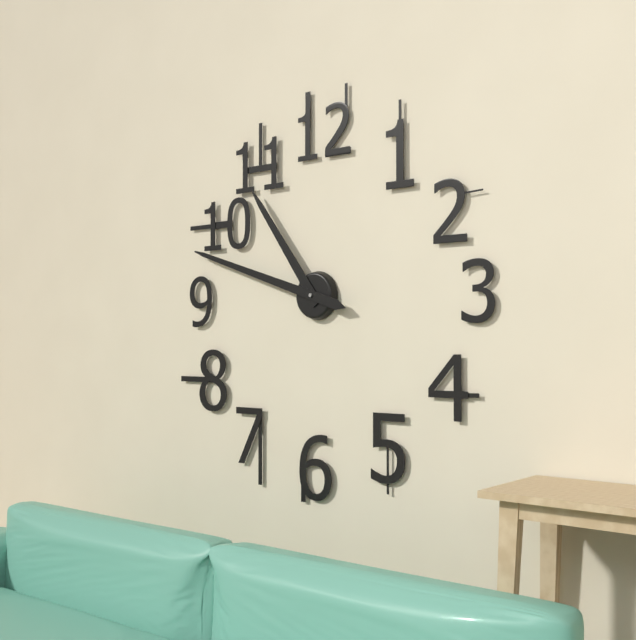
**10:48**
